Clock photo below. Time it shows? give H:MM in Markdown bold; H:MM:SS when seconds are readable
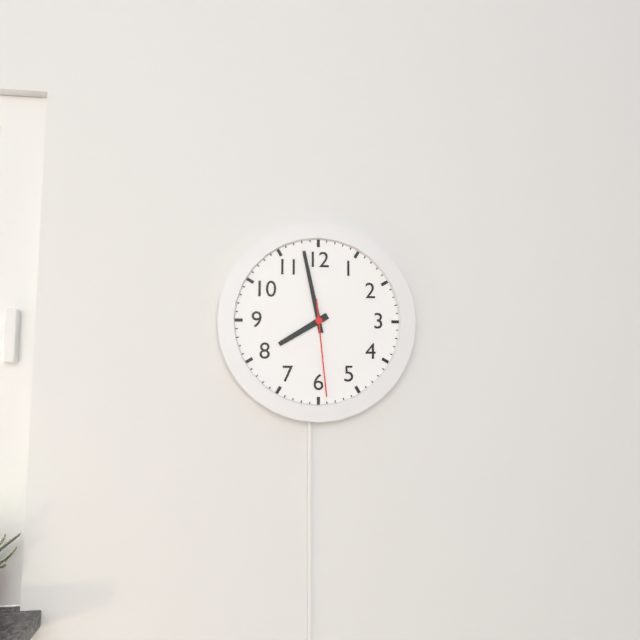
**7:58:29**
